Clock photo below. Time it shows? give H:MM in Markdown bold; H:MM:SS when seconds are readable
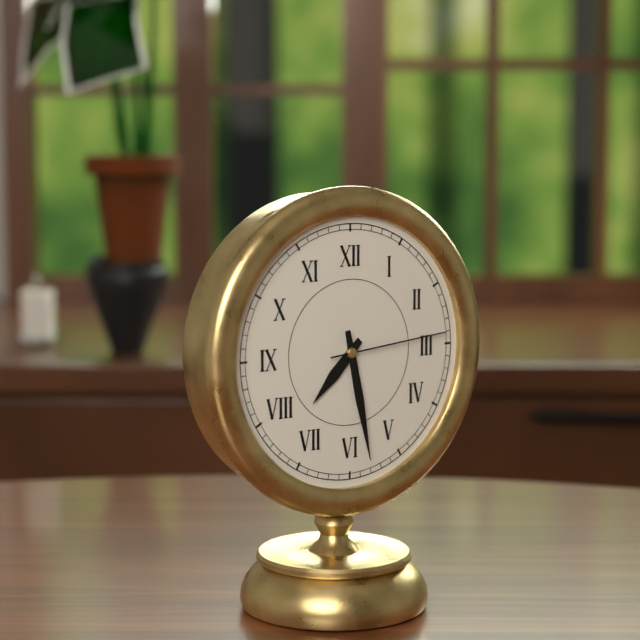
**7:28:14**
